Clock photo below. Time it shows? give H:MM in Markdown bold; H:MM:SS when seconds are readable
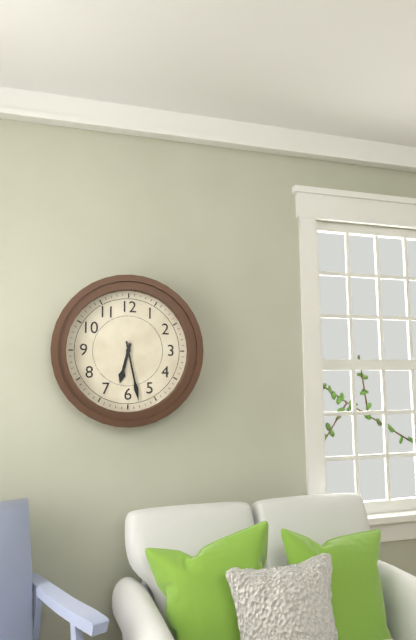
**6:28**
